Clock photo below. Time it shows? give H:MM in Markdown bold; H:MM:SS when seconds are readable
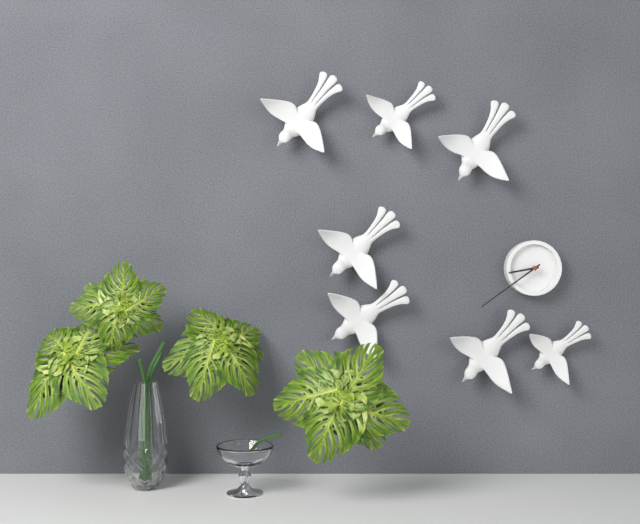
**8:39**
